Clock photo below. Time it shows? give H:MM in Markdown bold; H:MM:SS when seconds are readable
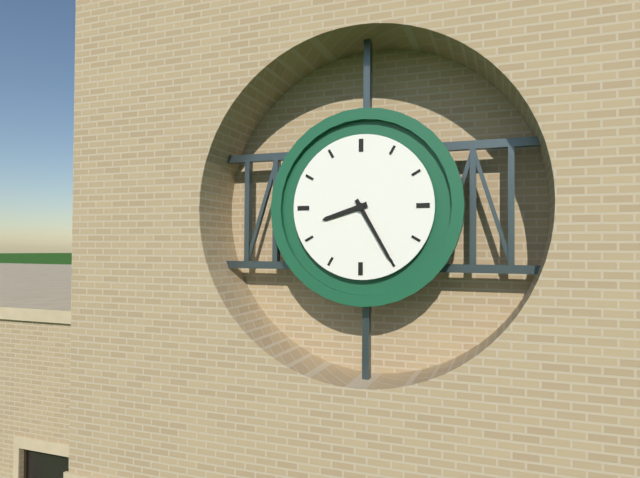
**8:25**
